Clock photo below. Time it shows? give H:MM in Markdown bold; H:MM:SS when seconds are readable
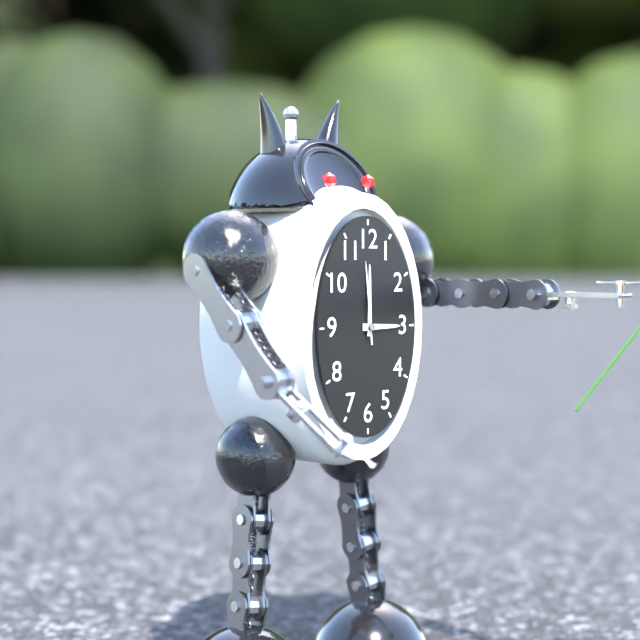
**3:00:59**
